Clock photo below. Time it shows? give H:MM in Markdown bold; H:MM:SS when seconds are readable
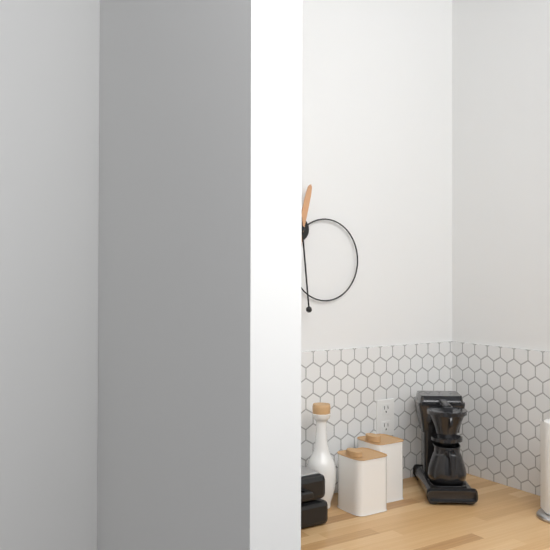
**12:29**
